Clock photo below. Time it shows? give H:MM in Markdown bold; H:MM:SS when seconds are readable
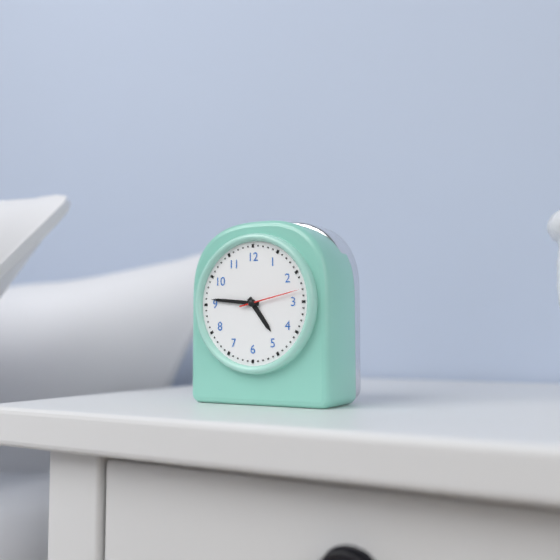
**4:46:13**
